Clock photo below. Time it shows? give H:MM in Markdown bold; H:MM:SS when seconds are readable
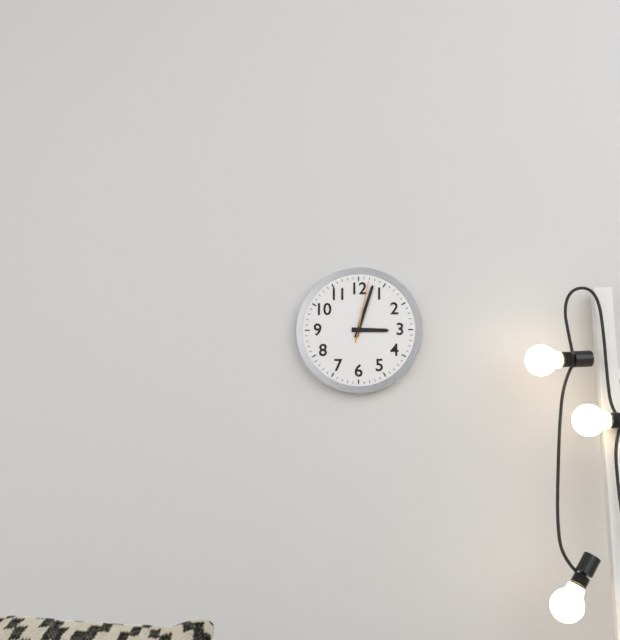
**3:03:02**
